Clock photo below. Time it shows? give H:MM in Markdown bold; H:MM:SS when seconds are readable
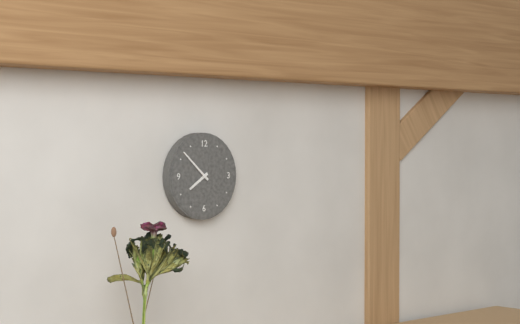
**7:52**
